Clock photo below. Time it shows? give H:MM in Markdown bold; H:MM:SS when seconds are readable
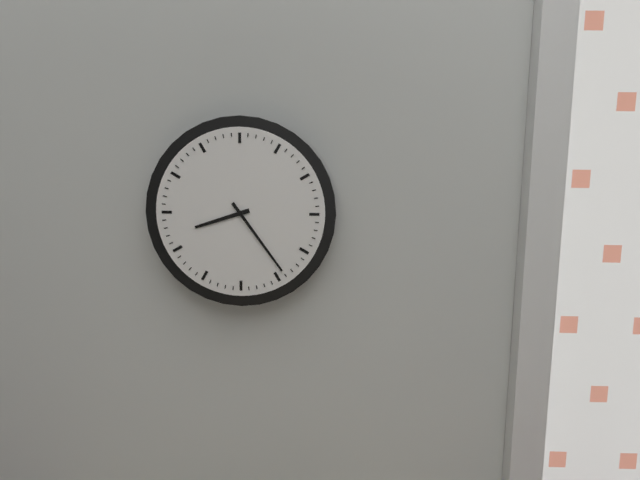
**8:24**
